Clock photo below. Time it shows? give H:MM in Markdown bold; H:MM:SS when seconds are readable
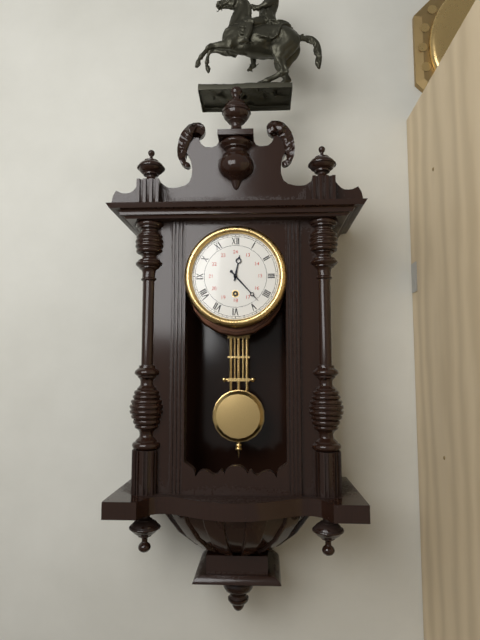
**12:23**
